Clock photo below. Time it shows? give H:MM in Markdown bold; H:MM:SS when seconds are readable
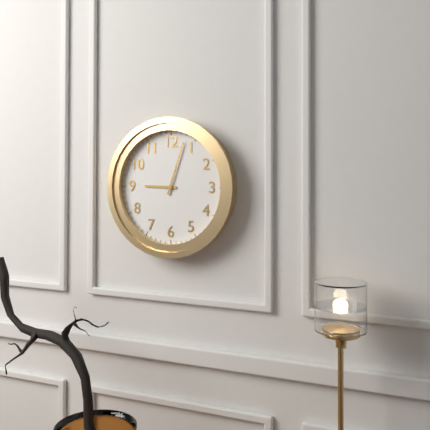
**9:03**
